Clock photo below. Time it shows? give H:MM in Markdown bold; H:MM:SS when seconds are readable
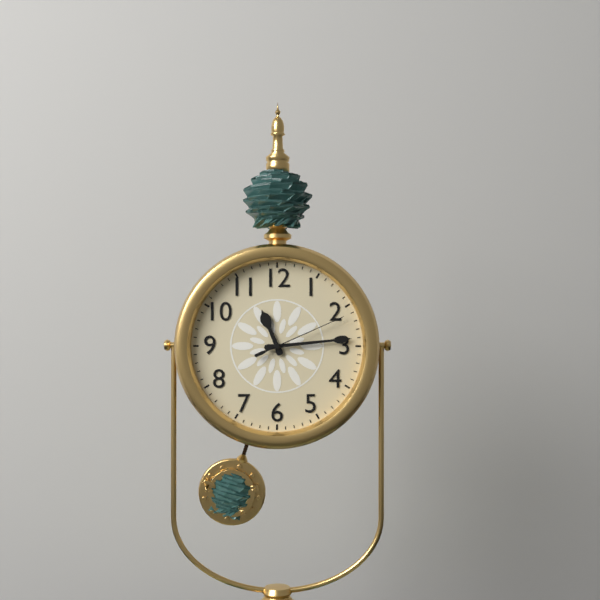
**11:14:11**
